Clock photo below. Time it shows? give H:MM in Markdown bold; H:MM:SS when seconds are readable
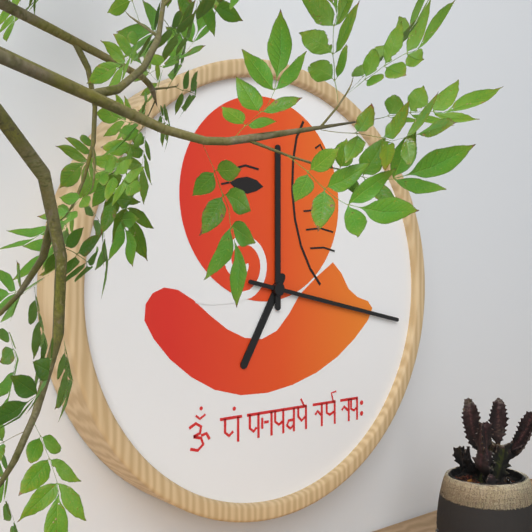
**7:00:17**
